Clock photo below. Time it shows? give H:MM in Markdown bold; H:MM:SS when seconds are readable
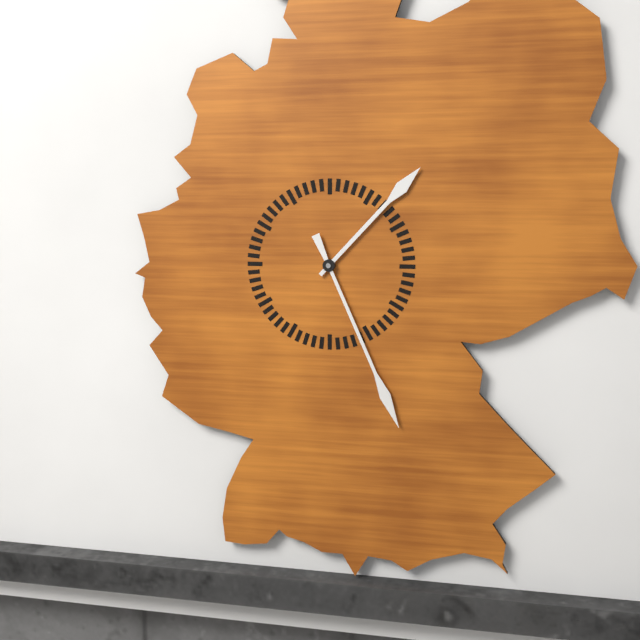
**1:26**
